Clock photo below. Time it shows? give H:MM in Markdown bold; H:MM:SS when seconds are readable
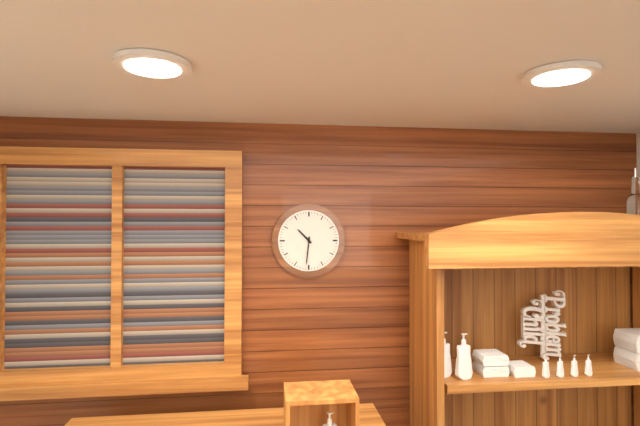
**10:31**
